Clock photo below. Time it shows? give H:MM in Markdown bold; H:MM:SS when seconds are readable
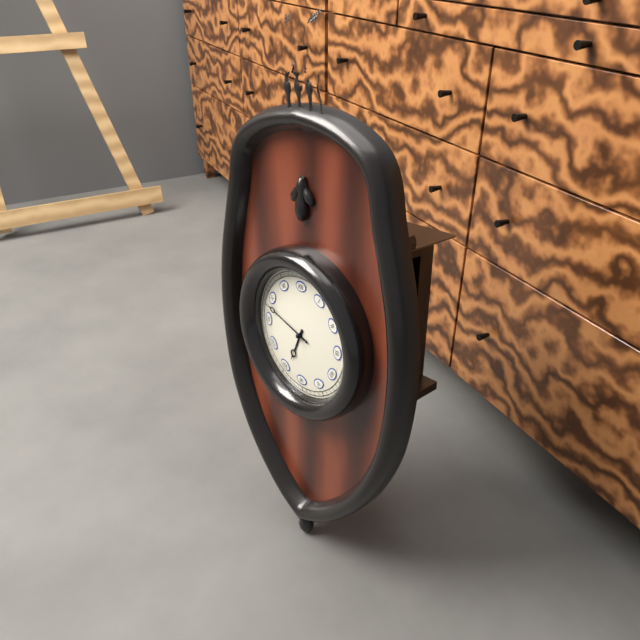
**6:48**
